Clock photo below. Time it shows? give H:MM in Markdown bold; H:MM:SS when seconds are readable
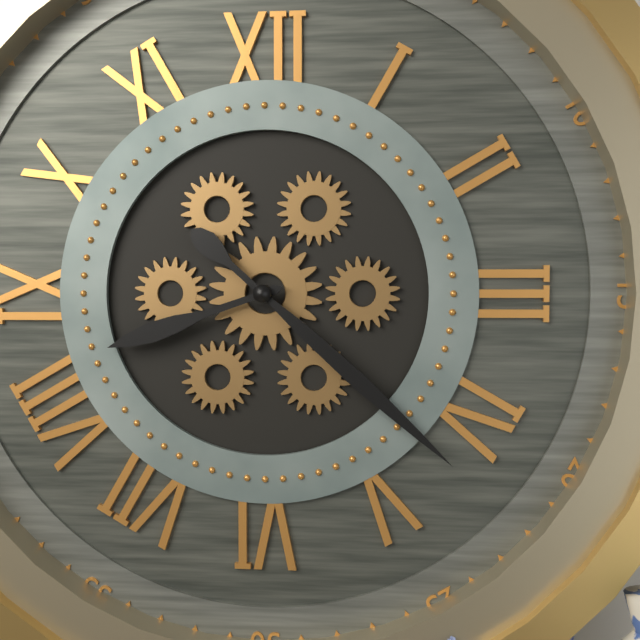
**8:22**
